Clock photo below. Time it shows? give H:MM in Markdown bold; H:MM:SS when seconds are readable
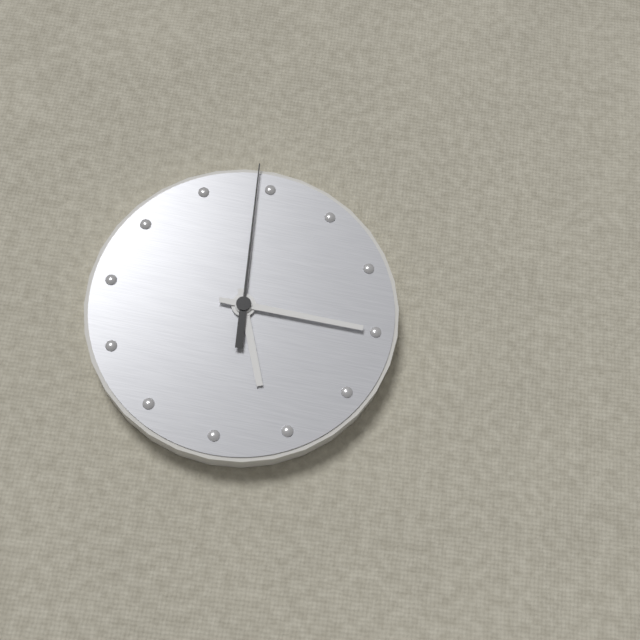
**5:15:59**
